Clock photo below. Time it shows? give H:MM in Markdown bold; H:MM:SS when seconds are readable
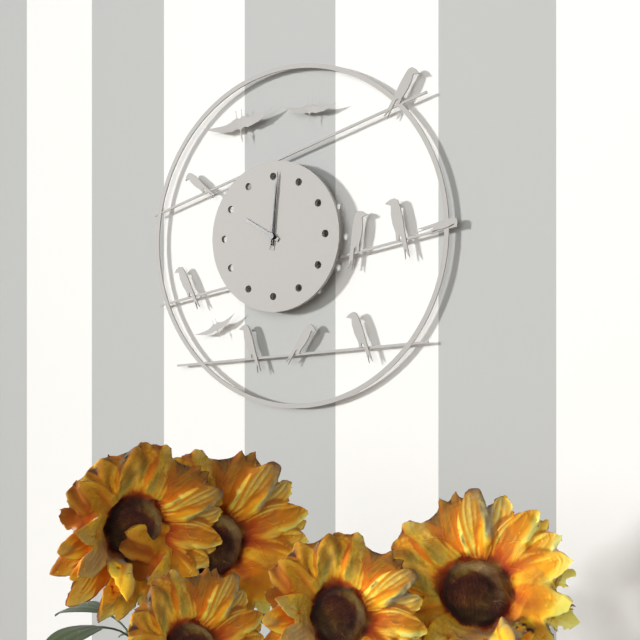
**10:01:01**
